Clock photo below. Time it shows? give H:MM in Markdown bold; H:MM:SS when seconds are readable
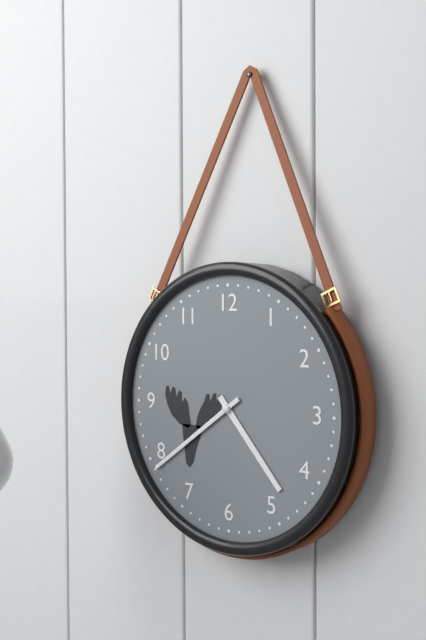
**4:39**
